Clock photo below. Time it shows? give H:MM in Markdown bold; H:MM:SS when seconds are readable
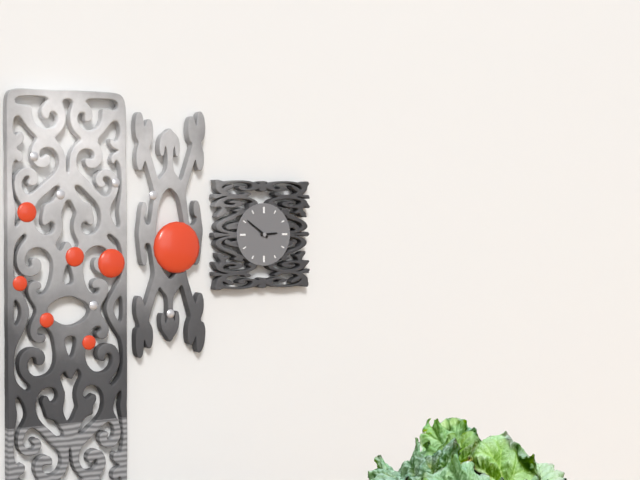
**2:51**
